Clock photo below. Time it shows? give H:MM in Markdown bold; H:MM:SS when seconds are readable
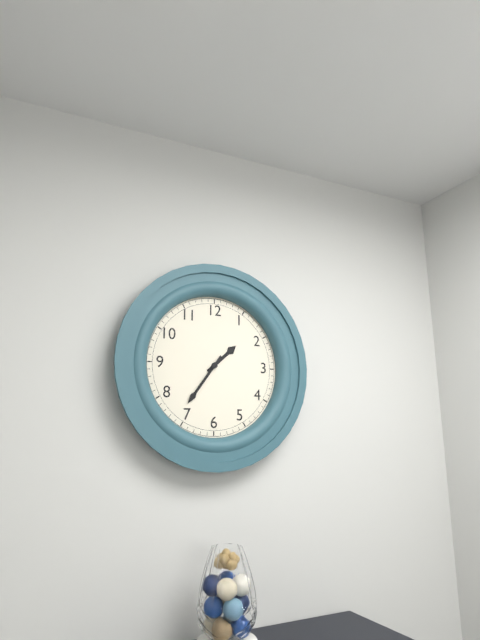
**1:36**
